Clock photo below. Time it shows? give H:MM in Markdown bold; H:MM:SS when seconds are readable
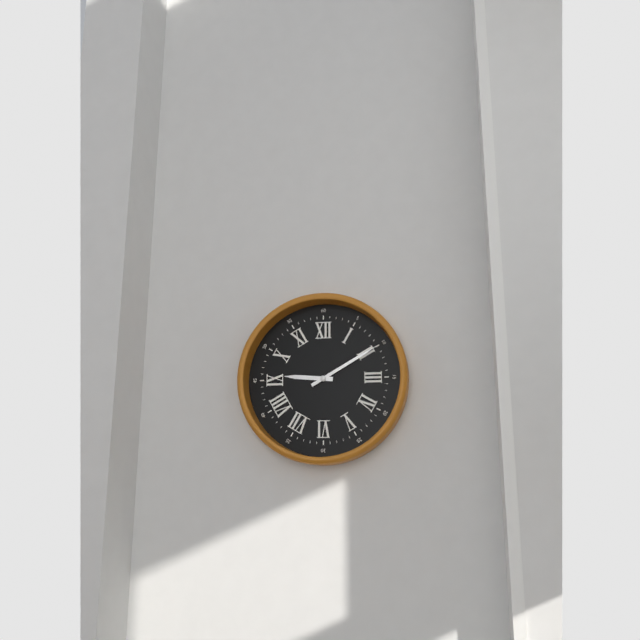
**9:10**
